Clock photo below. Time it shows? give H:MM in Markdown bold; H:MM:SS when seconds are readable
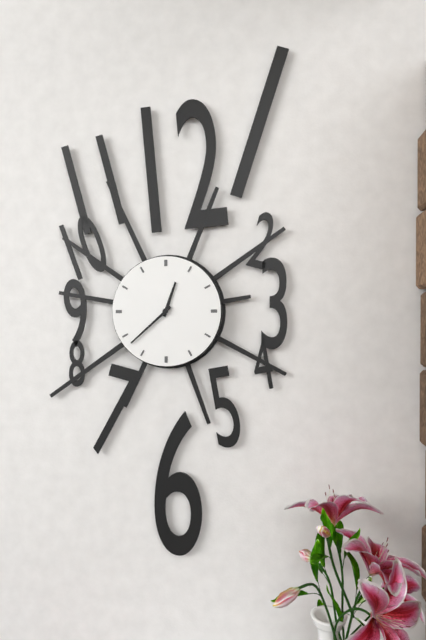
**12:38**
